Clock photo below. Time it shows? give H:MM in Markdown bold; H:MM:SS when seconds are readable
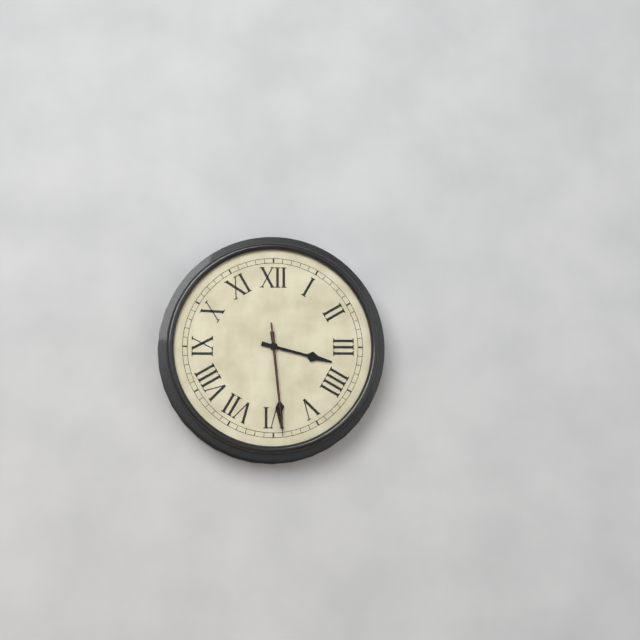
**3:29:29**
